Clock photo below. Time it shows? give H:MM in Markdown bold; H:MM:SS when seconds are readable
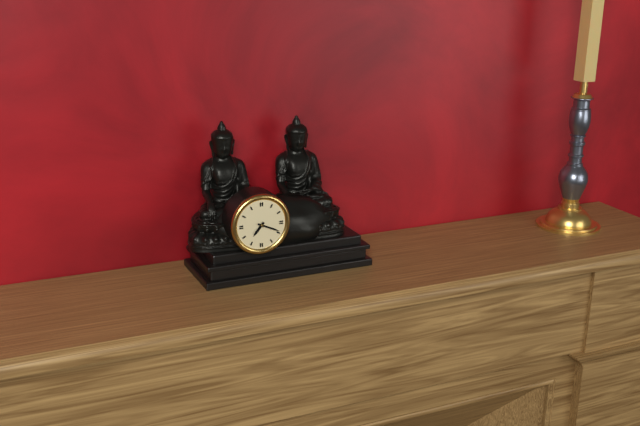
**7:19**
